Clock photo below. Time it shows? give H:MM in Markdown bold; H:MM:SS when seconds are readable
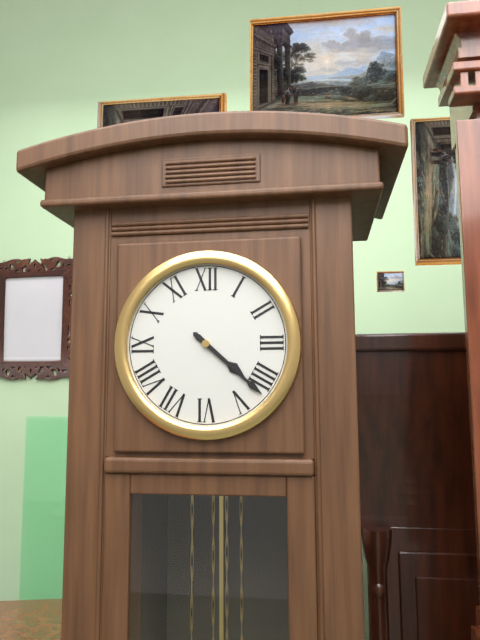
**4:22**
